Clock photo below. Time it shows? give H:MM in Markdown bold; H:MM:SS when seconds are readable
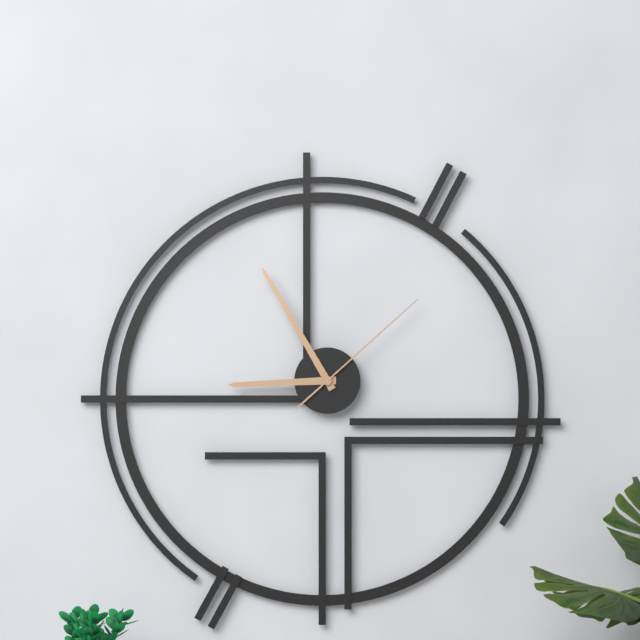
**8:55:08**
